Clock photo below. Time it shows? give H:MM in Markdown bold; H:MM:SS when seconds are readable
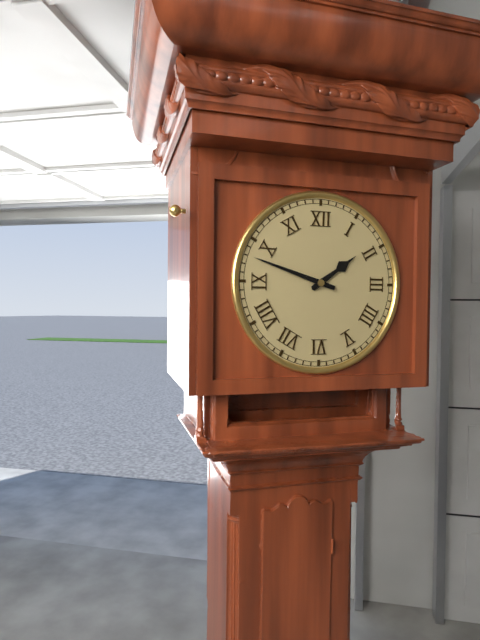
**1:48**
